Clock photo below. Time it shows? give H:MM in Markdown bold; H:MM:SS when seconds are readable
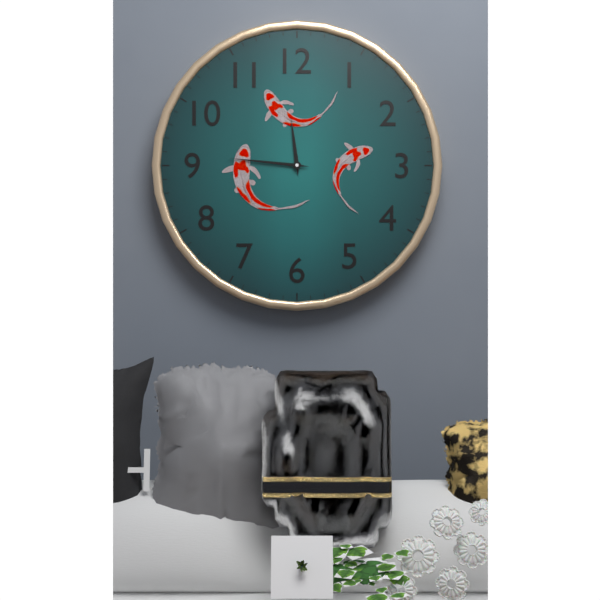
**11:46**
